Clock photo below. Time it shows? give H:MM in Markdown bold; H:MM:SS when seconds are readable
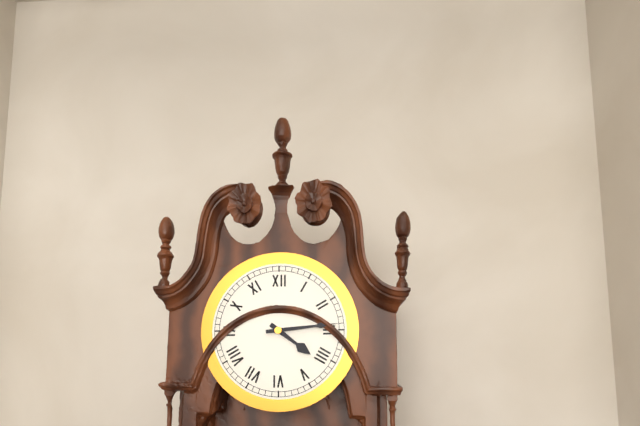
**4:14**
